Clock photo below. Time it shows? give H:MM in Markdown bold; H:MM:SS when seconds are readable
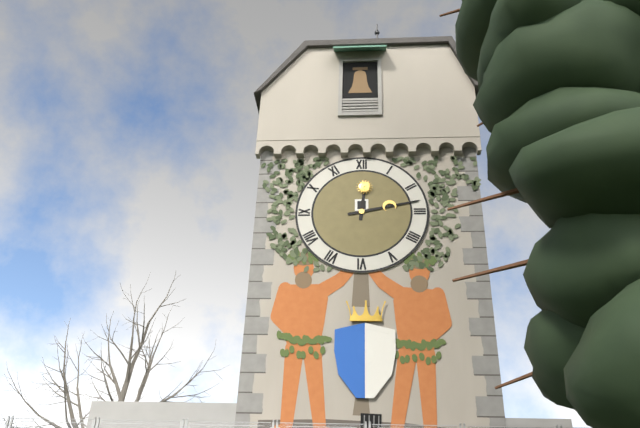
**12:13**
